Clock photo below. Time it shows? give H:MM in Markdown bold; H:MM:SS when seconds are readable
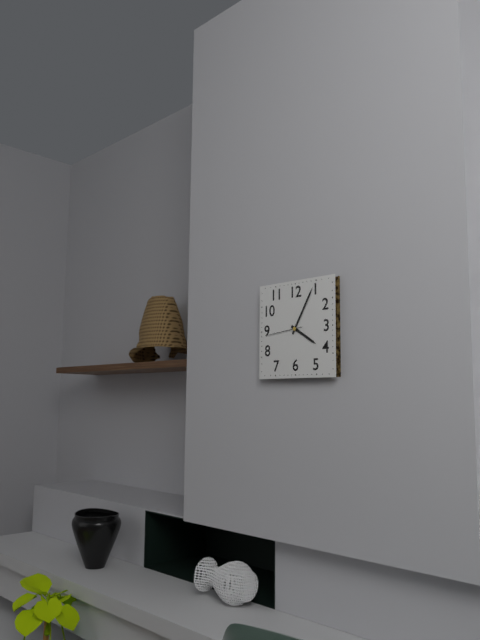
**4:05**
